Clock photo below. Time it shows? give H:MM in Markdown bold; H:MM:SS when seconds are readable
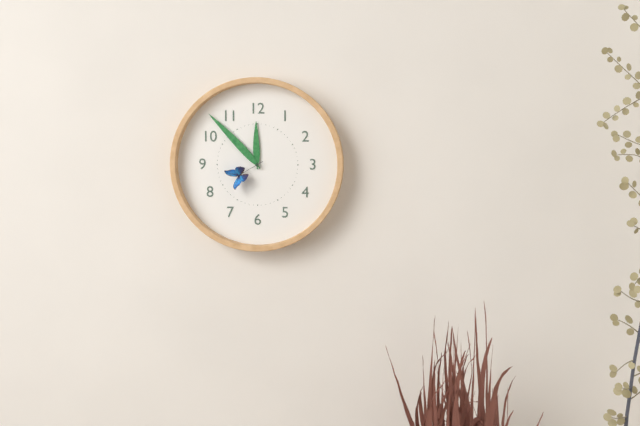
**11:53**
